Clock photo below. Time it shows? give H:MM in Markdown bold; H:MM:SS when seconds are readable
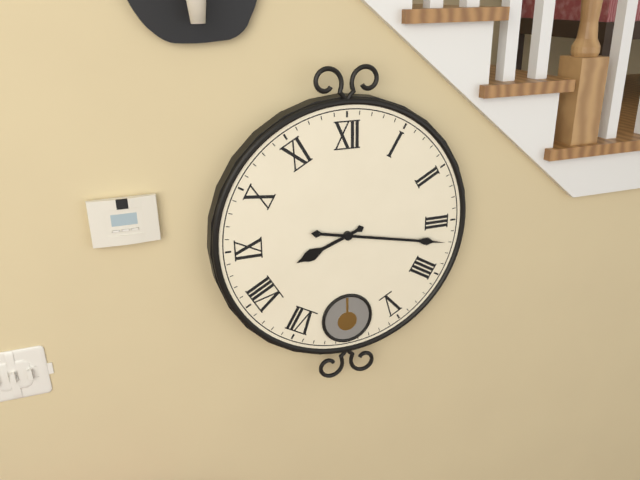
**8:17**
